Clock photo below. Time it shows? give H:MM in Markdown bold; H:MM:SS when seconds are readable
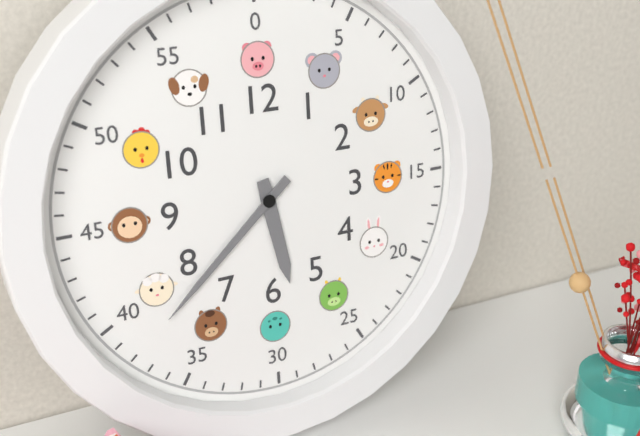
**5:38**
